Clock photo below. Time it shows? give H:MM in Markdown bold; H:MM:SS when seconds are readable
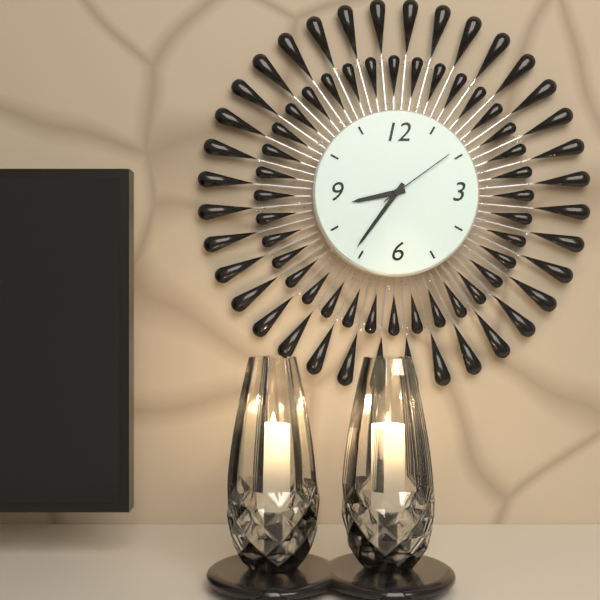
**8:36:09**
